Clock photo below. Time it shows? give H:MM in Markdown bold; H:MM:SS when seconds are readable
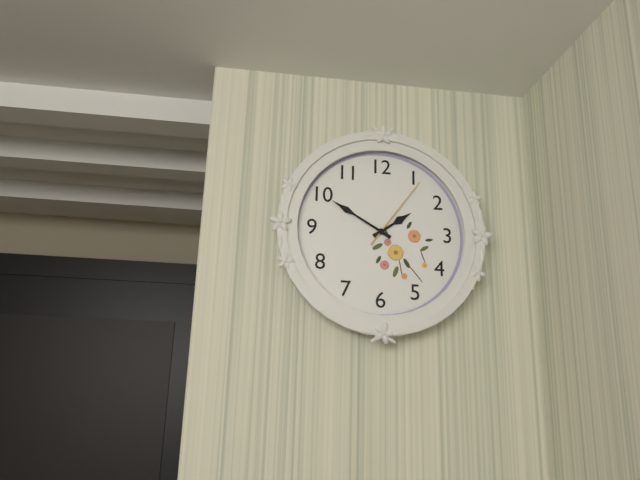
**1:50:06**
